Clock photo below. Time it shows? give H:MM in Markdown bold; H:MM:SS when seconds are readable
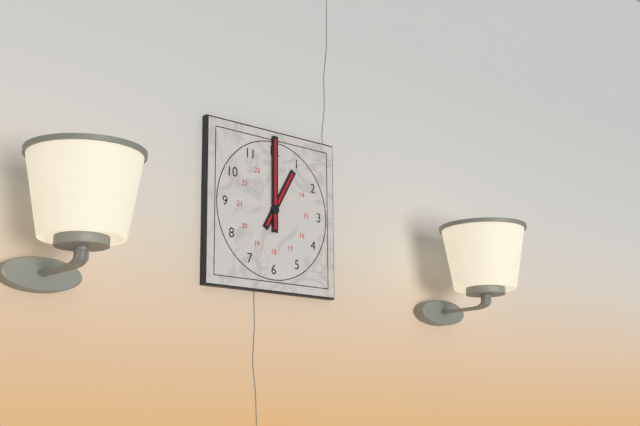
**1:00**
